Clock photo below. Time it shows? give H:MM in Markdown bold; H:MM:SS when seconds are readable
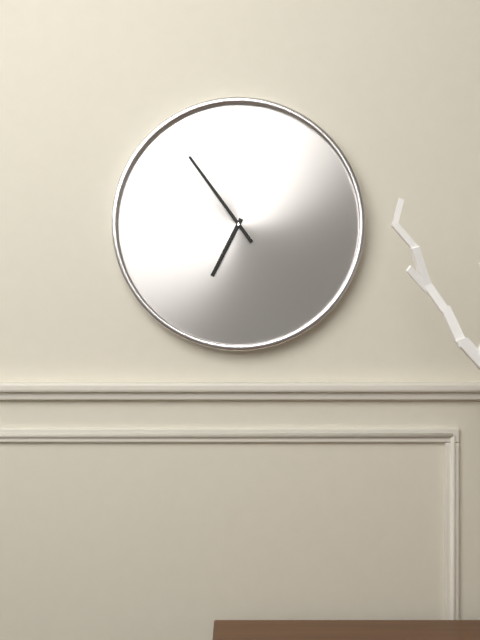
**6:54**
